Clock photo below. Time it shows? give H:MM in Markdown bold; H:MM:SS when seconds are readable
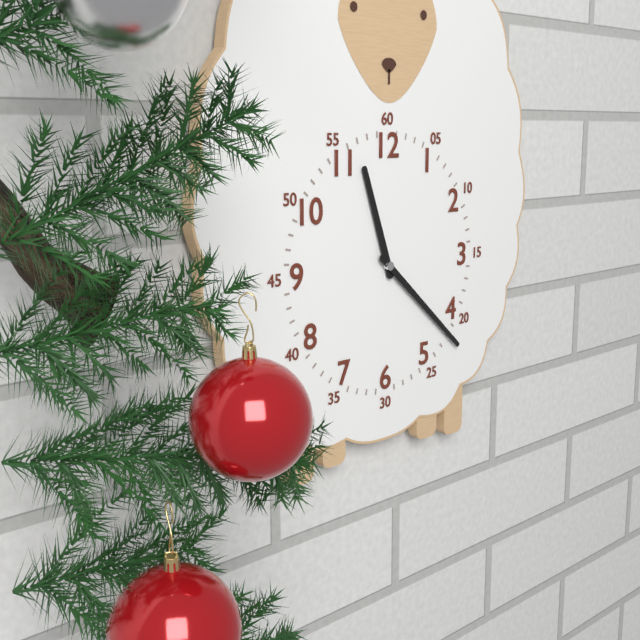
**11:22**
